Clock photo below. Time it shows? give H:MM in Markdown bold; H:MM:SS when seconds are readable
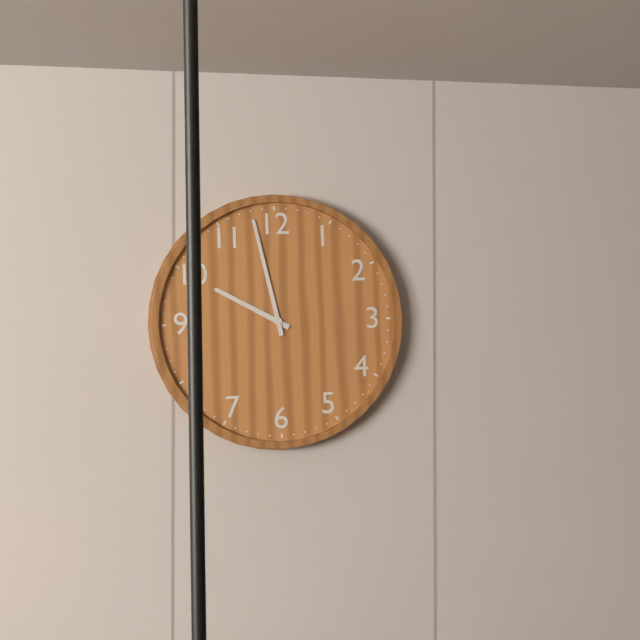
**9:58**
